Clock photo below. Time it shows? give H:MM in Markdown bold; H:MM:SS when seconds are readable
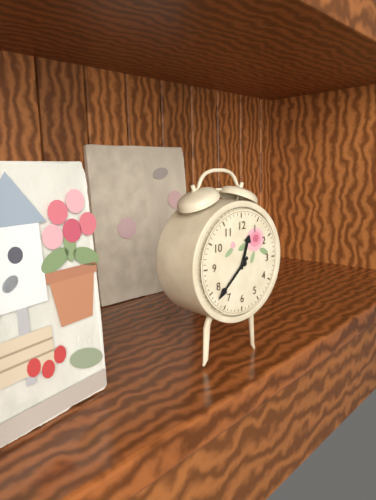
**12:38**
